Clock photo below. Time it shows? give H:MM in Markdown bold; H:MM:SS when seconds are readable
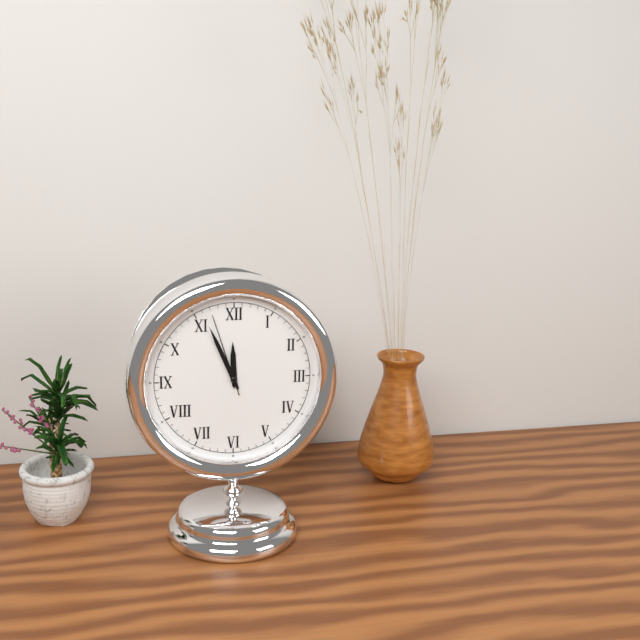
**11:56:57**
